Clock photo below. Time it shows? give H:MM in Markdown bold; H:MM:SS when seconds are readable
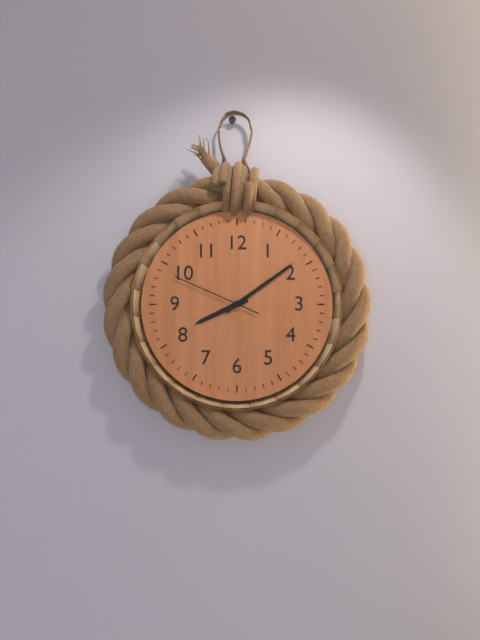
**8:09:49**
